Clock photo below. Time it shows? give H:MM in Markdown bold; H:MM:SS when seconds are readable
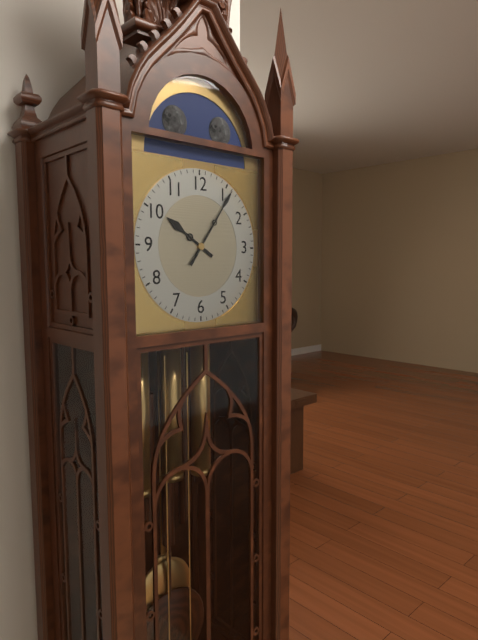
**10:06**
